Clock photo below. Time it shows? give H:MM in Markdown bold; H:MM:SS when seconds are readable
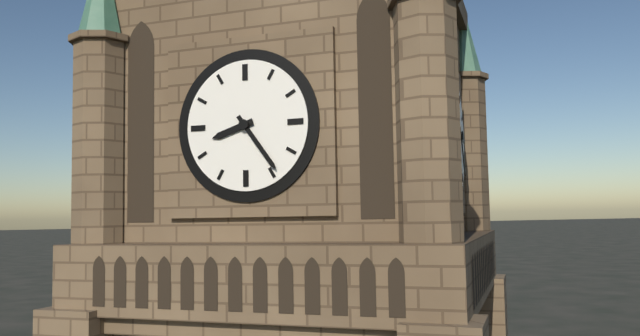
**8:24**
